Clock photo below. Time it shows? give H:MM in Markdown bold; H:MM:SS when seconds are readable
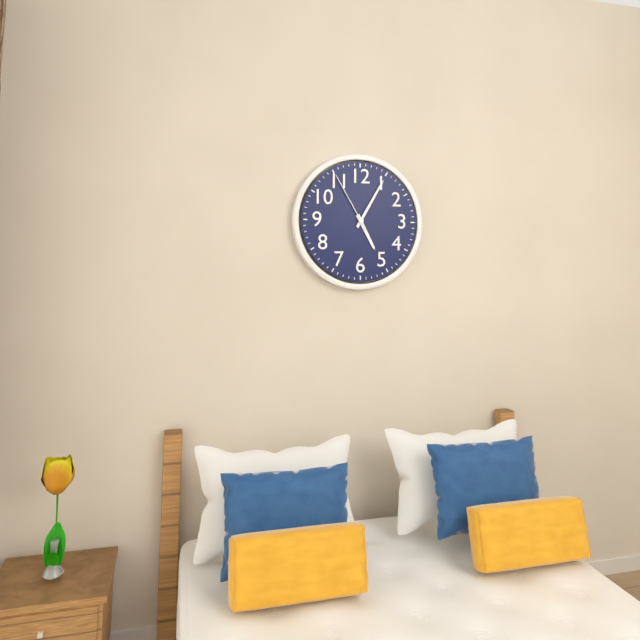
**5:05:55**
